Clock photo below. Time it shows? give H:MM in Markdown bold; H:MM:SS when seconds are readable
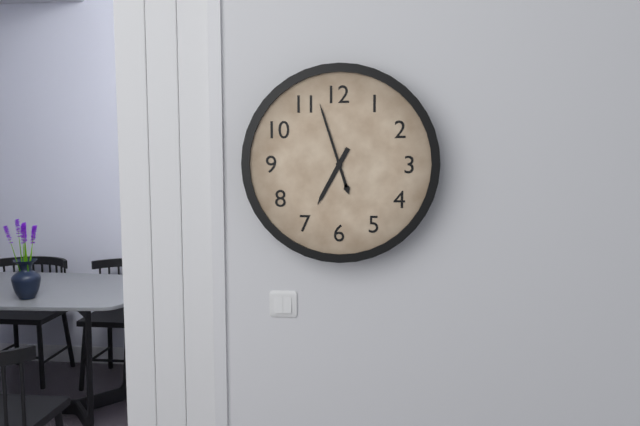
**6:57**
